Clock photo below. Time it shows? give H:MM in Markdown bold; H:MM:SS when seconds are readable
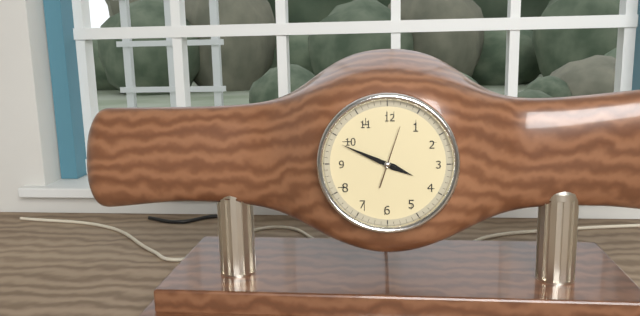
**3:49:03**
